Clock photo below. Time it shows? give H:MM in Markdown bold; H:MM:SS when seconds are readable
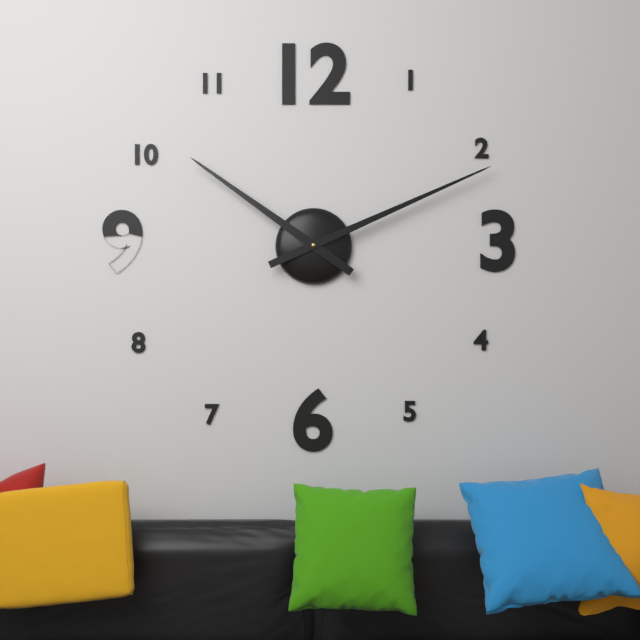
**10:11**
